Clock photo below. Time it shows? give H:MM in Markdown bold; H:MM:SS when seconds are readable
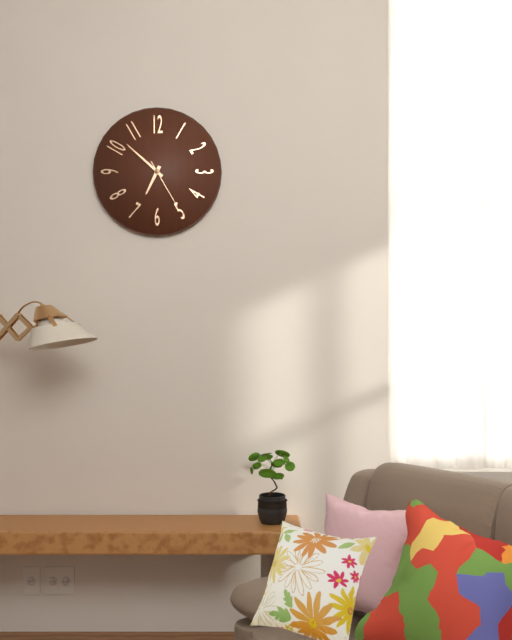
**6:52:25**
